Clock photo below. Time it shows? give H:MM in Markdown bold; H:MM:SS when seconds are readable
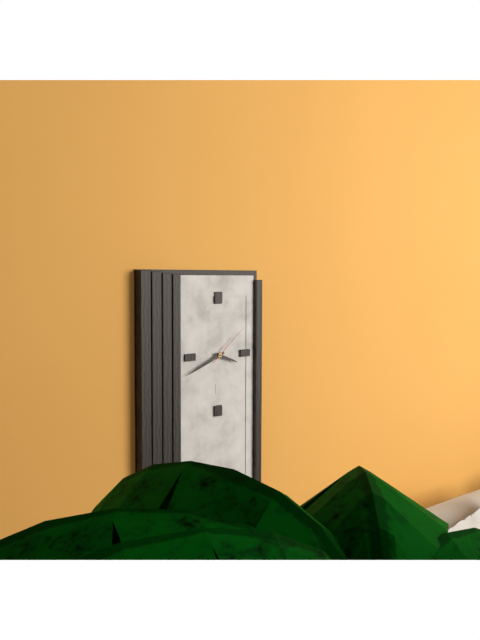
**3:41**
